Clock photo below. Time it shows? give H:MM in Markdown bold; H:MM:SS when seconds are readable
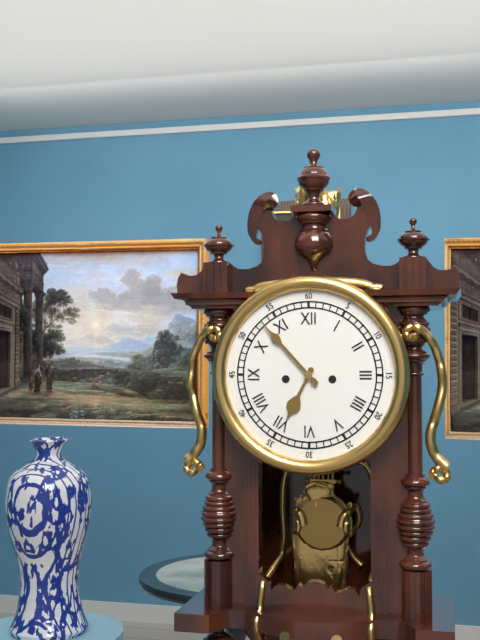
**6:53**
